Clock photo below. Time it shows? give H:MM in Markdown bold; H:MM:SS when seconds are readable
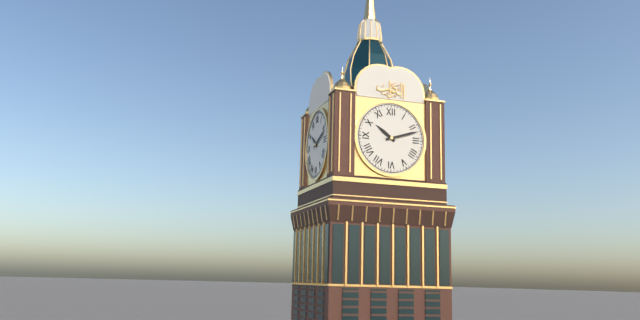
**10:12**
